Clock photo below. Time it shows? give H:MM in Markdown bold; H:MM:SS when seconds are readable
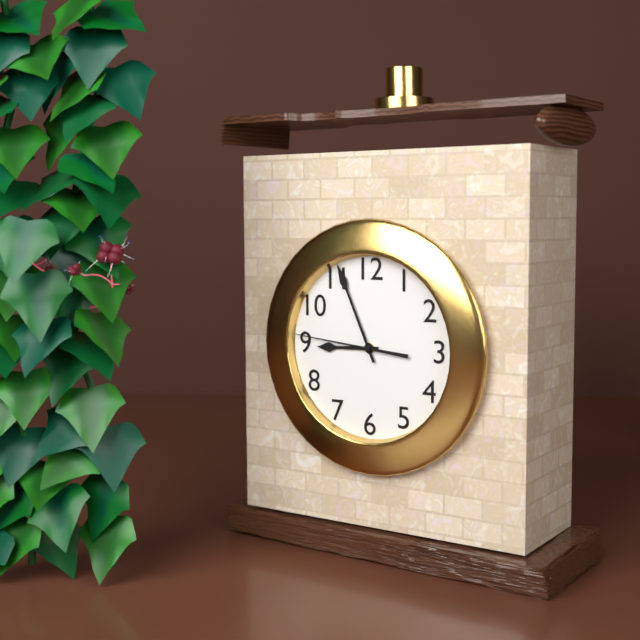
**8:56:46**
